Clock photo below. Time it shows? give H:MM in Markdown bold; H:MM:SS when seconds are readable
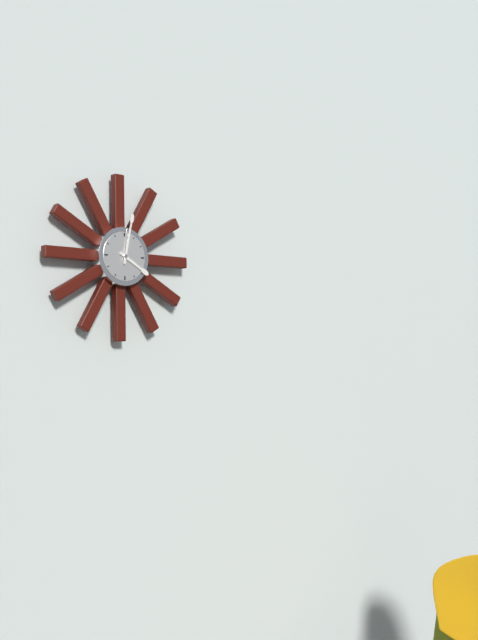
**4:02**
